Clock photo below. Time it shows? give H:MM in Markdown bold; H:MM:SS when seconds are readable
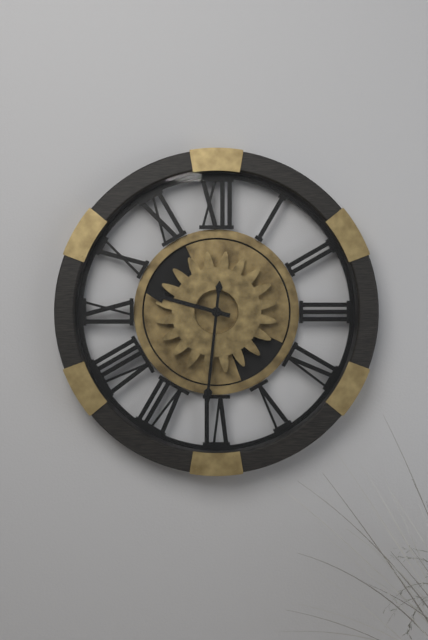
**9:31**
